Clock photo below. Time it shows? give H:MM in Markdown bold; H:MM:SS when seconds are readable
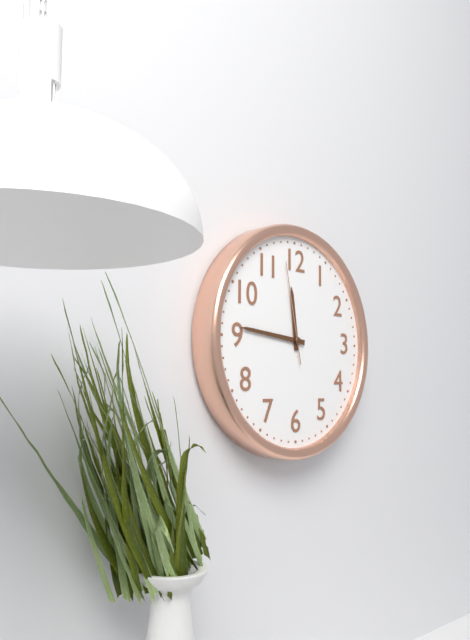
**11:46:58**
